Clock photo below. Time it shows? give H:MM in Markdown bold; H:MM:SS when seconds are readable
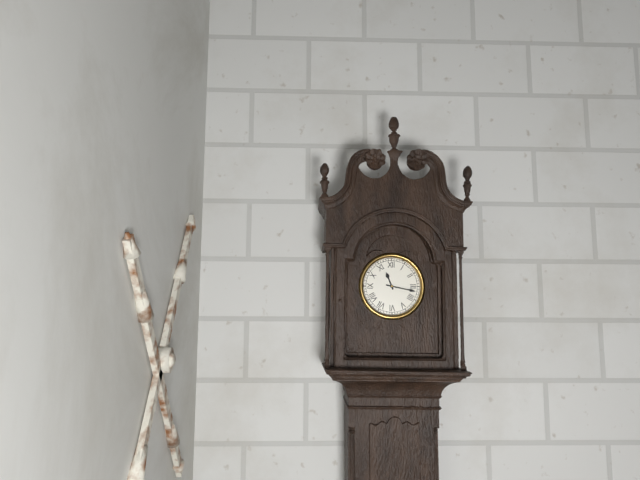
**11:17**
